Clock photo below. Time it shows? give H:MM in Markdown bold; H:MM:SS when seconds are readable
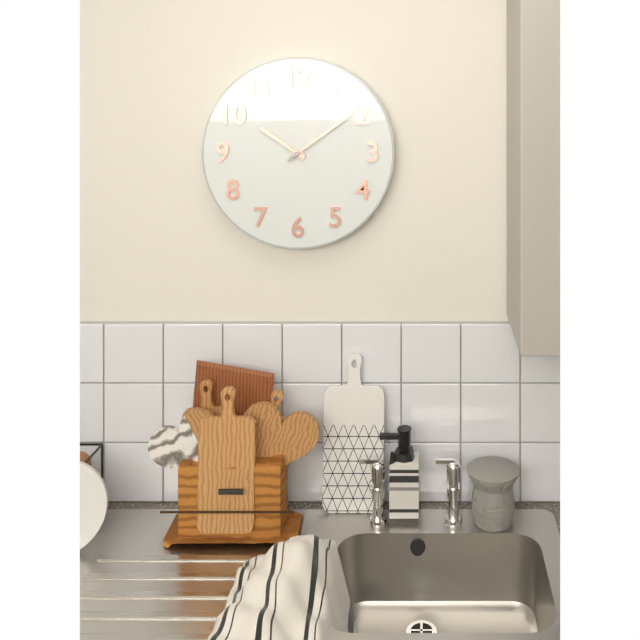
**10:09**
